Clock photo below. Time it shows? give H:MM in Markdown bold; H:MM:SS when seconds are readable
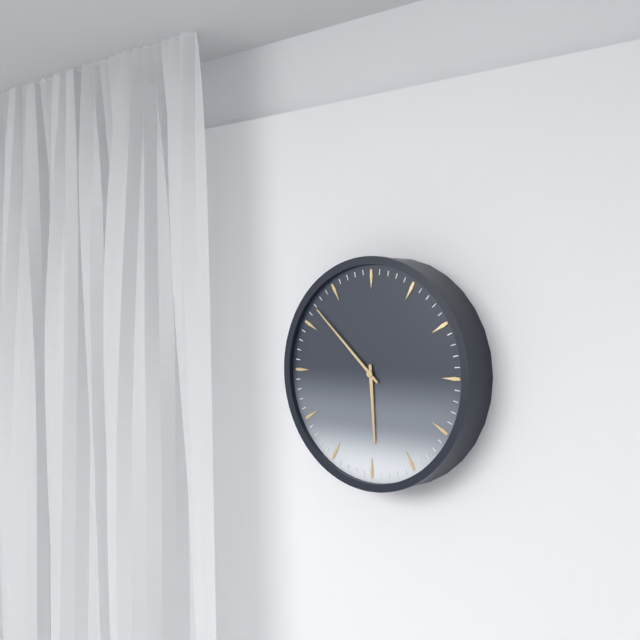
**5:52**
